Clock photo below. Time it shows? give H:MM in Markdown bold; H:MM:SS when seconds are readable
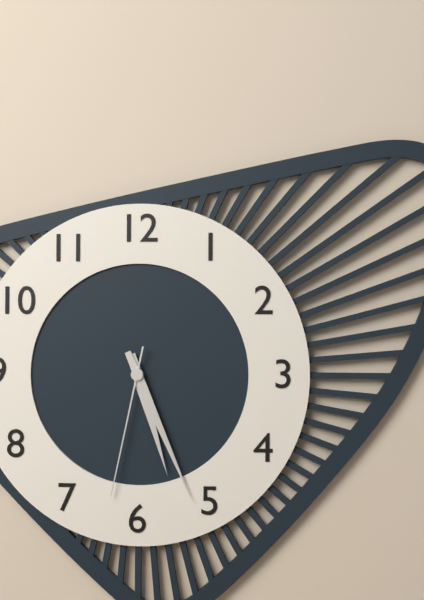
**5:26:32**
